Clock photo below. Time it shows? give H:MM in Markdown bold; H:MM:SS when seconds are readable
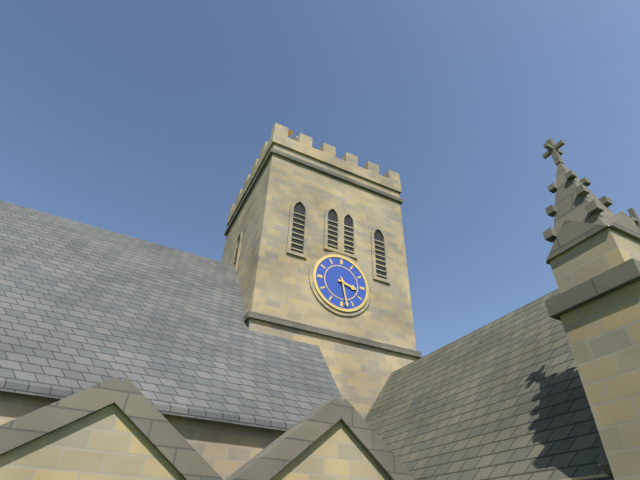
**3:28**
